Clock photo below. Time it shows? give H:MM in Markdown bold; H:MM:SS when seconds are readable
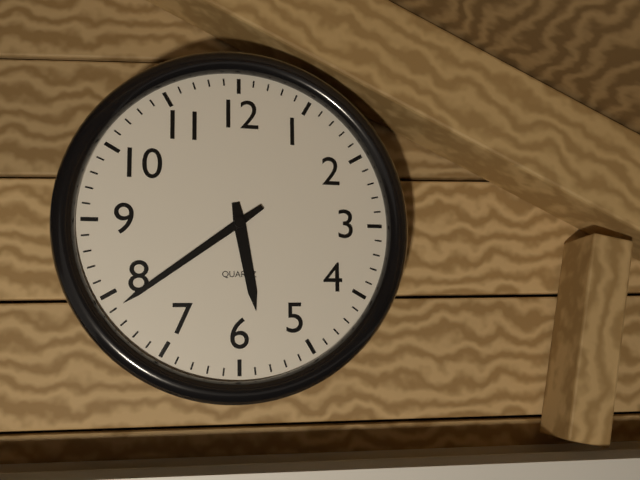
**5:39**
